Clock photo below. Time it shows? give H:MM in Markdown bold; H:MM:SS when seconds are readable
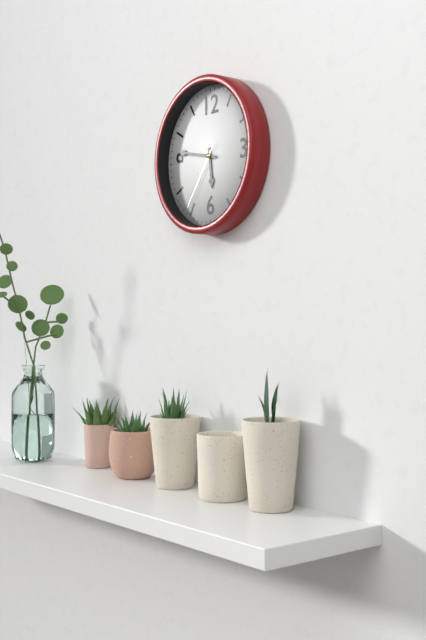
**5:47:36**
